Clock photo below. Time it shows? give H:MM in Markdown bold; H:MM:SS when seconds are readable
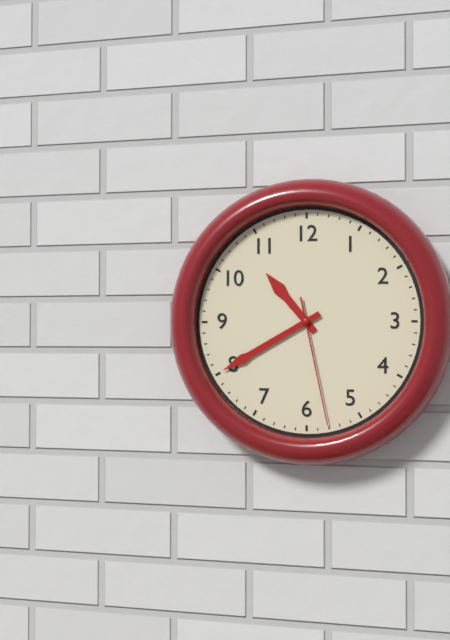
**10:40:28**
